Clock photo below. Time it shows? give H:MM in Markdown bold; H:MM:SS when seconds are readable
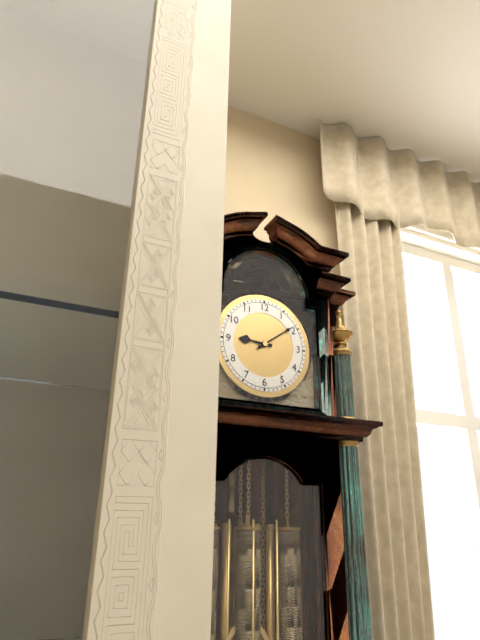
**9:09**
